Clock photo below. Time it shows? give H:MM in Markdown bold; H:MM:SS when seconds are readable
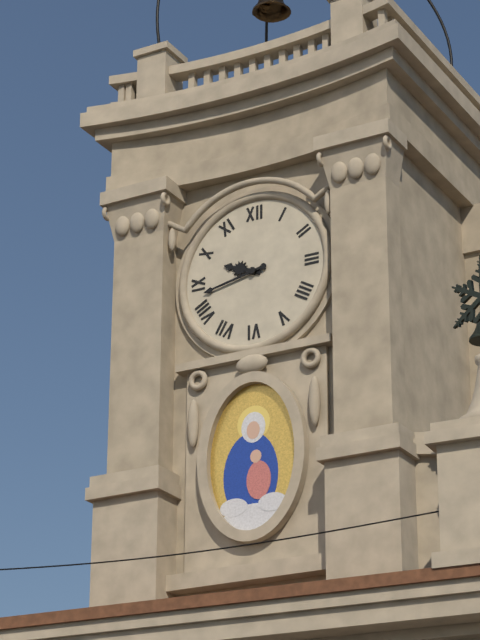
**9:43**
